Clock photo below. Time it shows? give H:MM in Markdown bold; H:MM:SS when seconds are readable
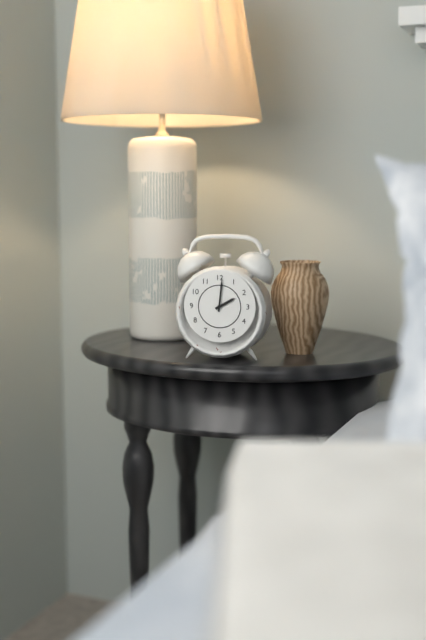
**2:01**
